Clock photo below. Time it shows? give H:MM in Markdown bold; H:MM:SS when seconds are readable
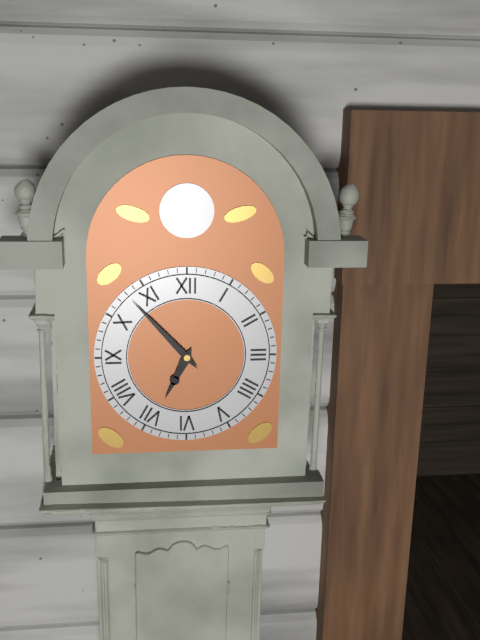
**6:53**
